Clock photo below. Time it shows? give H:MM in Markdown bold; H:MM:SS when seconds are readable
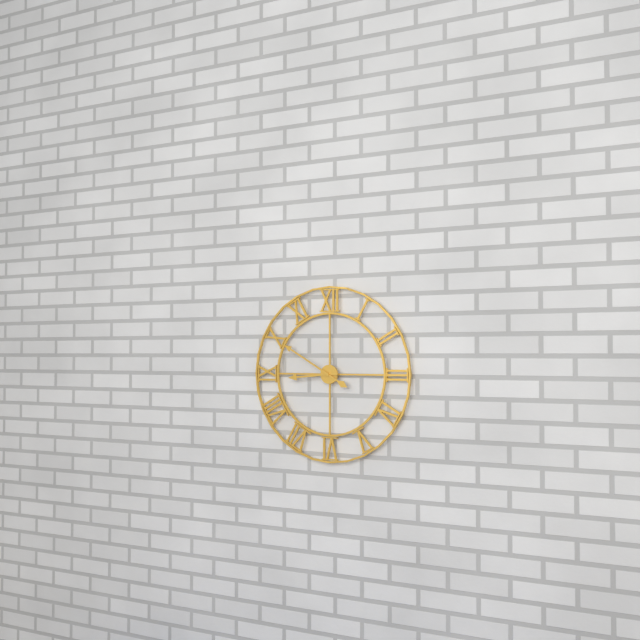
**8:50**
